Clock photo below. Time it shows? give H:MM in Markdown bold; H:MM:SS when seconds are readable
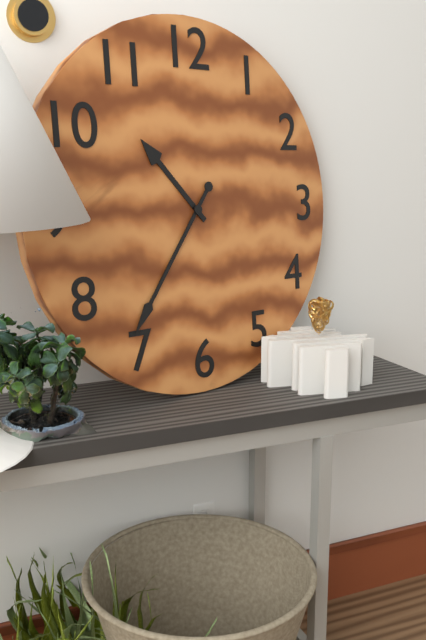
**10:36**
